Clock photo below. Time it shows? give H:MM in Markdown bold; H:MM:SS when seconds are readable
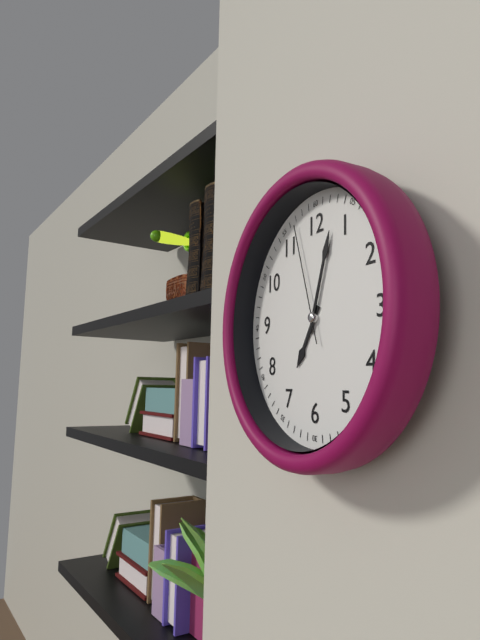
**7:03:57**
